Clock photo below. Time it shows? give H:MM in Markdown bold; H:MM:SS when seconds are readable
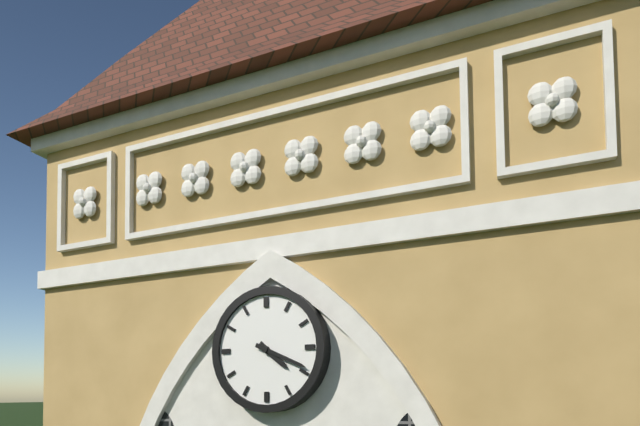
**4:19**
